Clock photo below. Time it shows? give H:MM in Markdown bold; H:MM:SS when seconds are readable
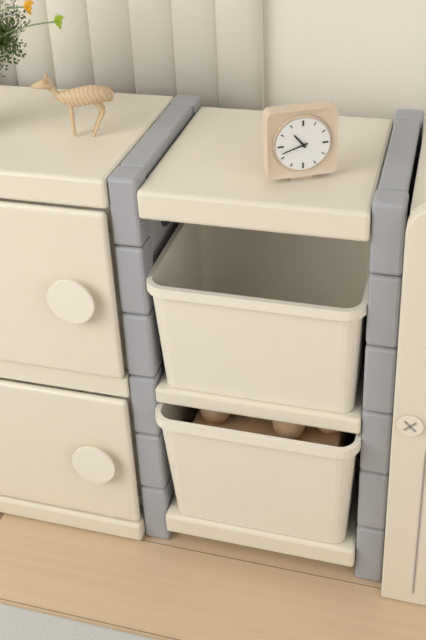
**10:42**
